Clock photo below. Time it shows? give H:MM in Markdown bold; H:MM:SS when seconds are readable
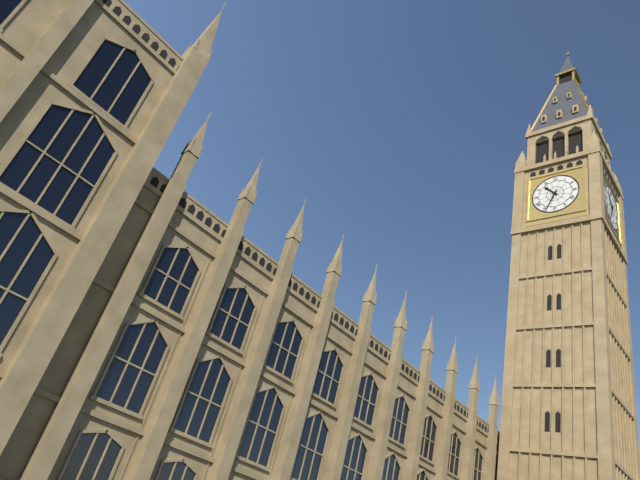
**10:34**
